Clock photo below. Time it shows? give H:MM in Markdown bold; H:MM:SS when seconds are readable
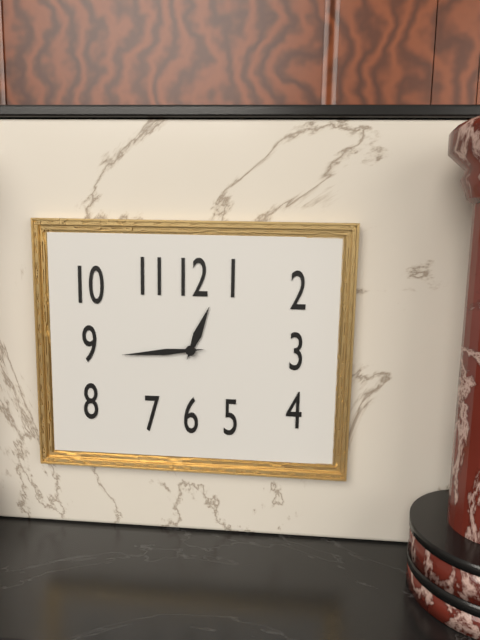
**12:44**
